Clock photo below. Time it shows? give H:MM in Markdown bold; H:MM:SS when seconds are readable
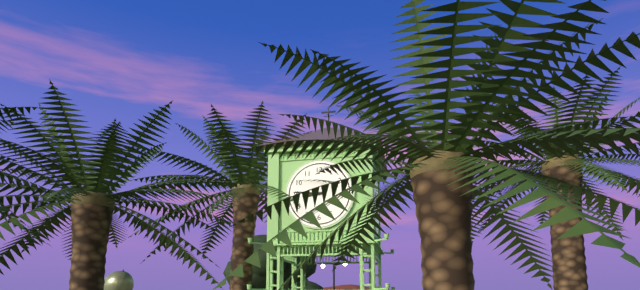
**8:46**
